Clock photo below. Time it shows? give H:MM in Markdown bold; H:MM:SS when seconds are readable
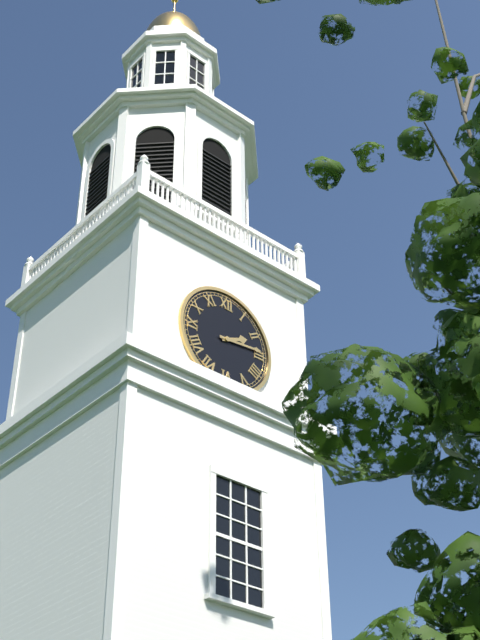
**2:14**
